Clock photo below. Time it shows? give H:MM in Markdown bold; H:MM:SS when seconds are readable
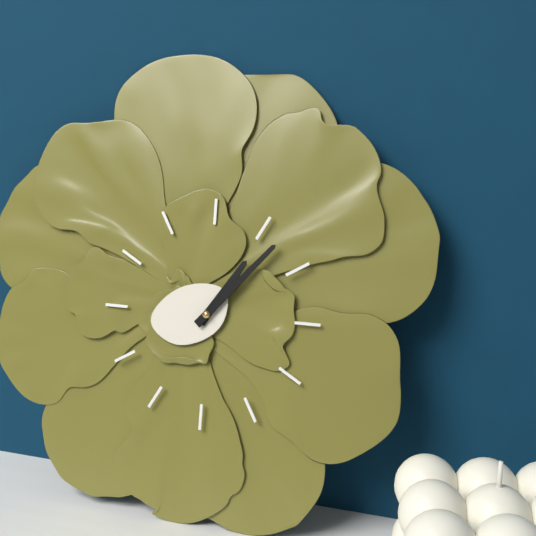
**1:07**
